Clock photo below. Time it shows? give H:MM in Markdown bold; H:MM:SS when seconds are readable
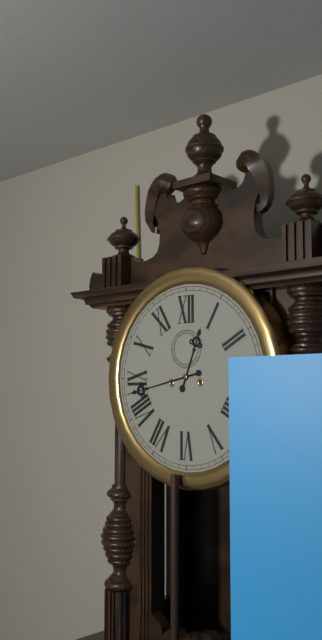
**12:43**
